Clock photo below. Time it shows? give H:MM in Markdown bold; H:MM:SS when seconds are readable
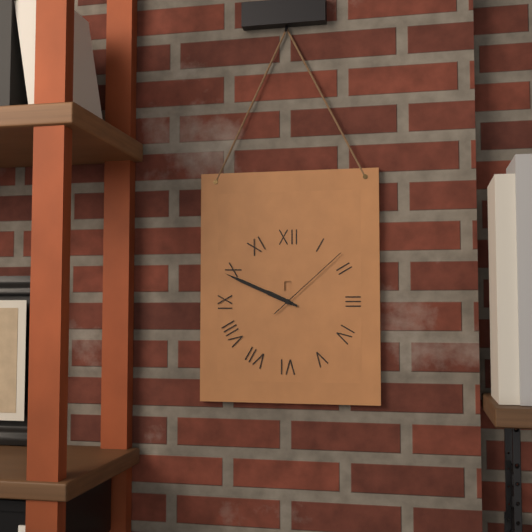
**9:49:08**
